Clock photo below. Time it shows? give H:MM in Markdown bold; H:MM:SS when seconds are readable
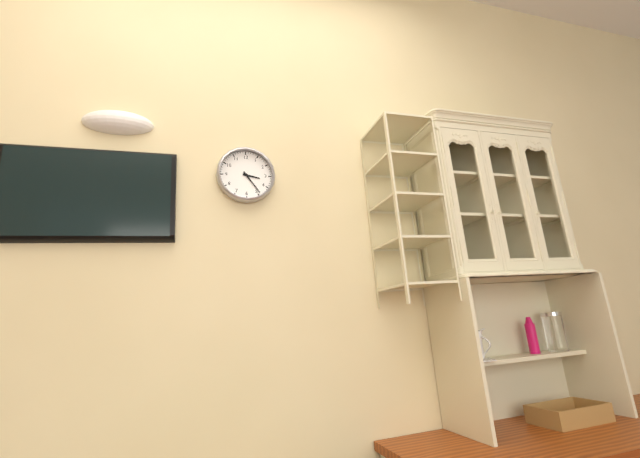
**3:24**
